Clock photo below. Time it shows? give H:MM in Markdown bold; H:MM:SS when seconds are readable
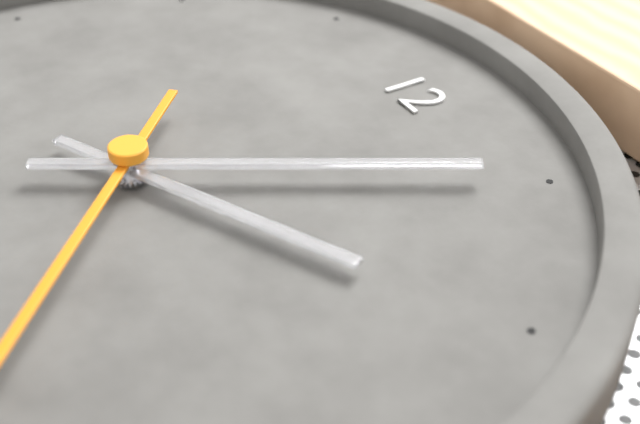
**2:05**
